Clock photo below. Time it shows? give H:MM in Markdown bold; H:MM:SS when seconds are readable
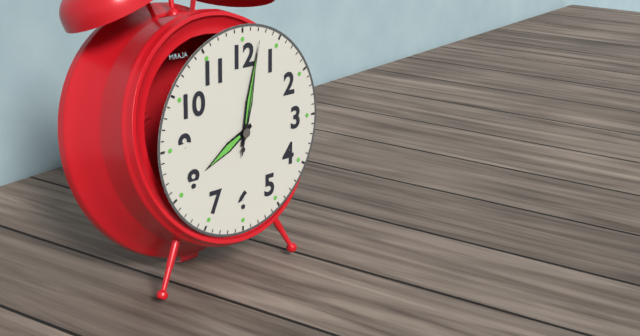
**8:02:02**
